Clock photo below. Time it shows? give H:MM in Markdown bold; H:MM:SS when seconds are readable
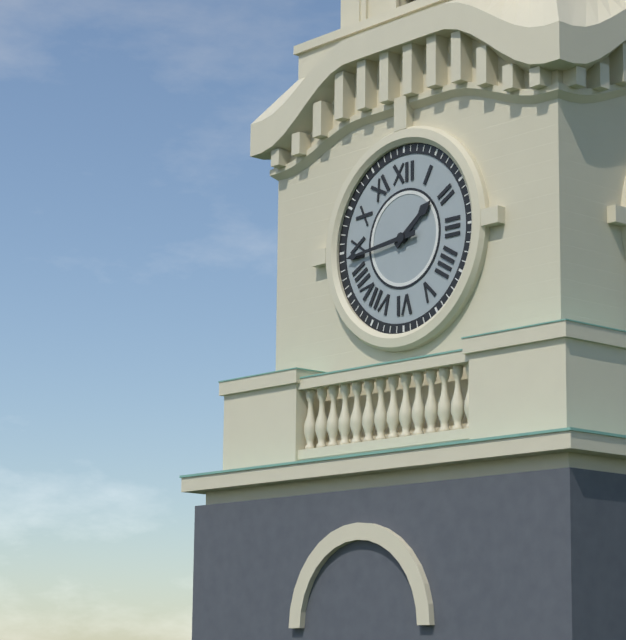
**1:44**
